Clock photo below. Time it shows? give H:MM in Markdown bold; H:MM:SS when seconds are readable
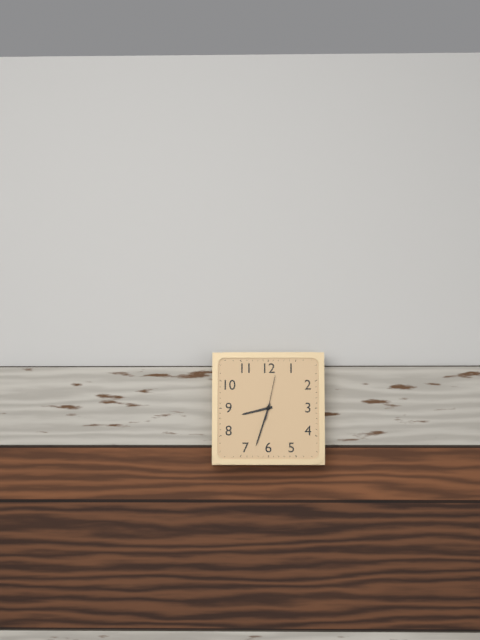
**8:33**
